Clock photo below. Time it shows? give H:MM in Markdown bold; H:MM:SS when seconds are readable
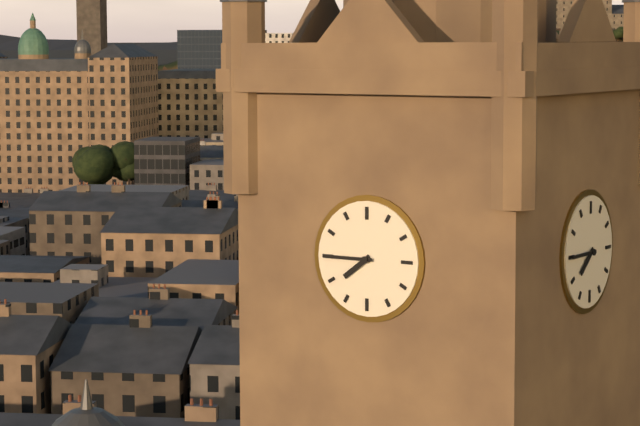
**7:45**
